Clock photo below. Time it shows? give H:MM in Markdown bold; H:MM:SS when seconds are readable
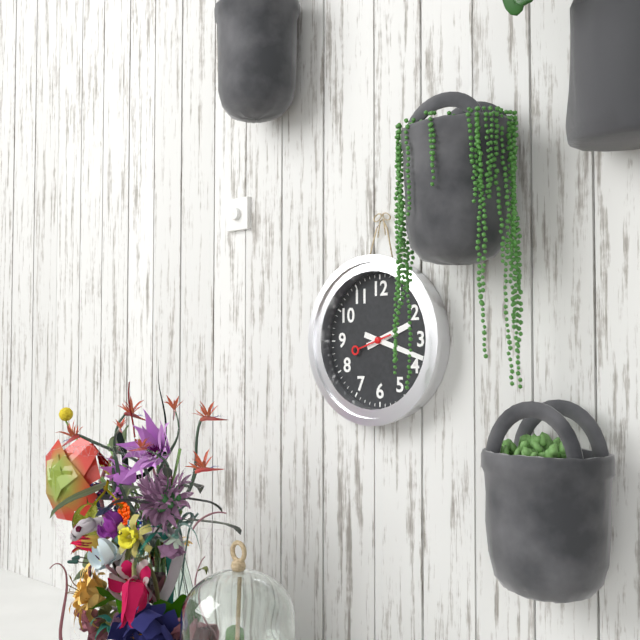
**2:18**
